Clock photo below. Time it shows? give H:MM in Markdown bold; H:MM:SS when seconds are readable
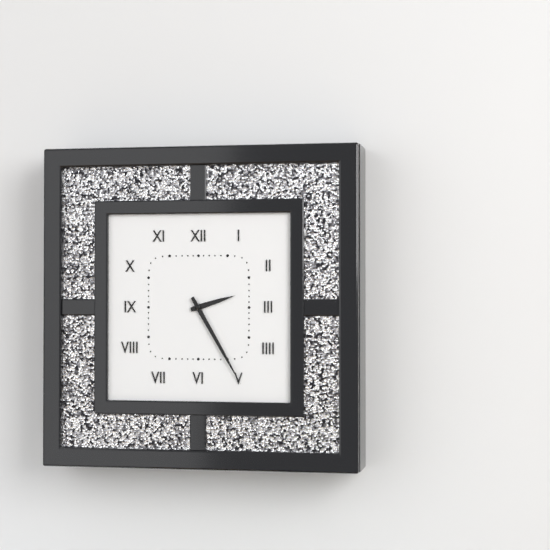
**2:25**
